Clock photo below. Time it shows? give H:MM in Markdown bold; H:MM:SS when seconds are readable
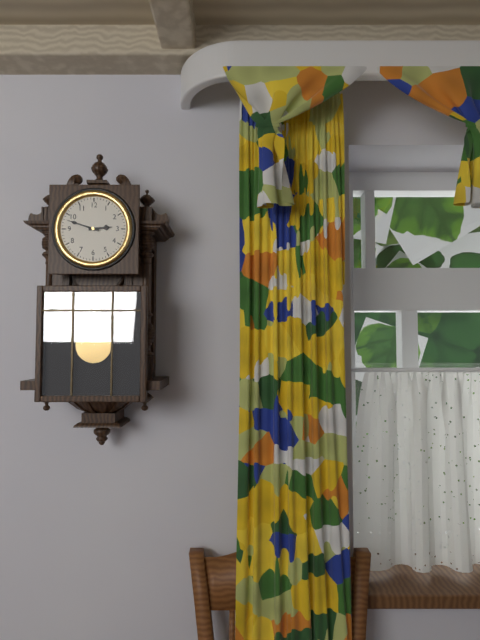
**2:48**
